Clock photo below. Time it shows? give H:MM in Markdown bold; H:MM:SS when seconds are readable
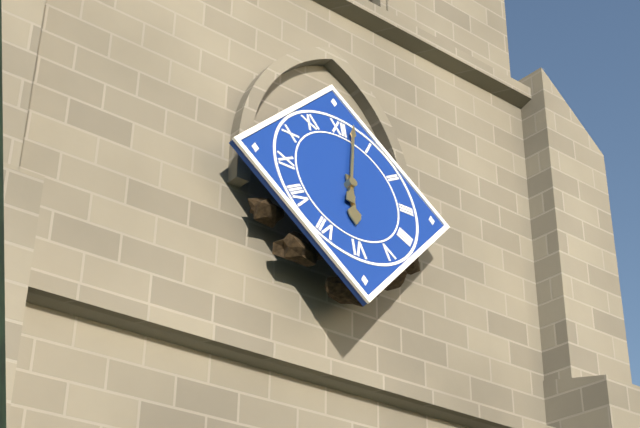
**6:02**
